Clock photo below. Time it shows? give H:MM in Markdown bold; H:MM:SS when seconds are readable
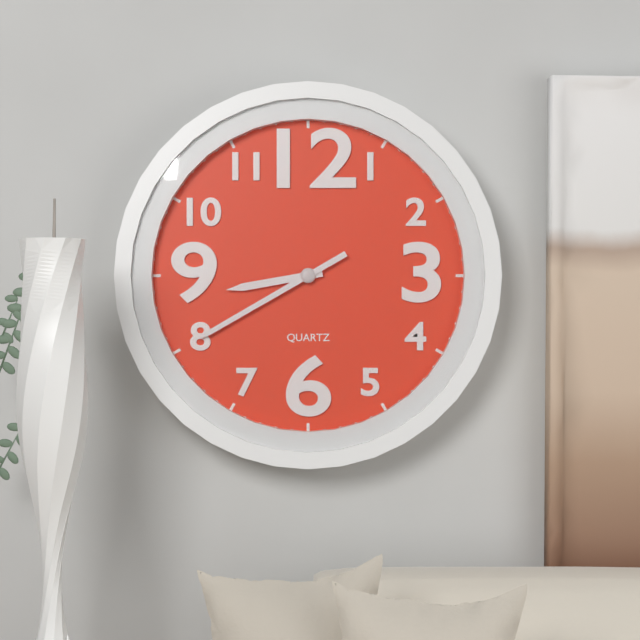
**8:40**
